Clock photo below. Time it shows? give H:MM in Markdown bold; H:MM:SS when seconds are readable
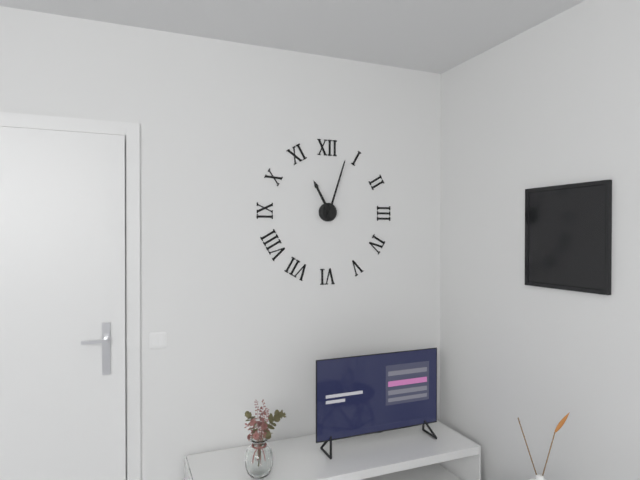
**11:03**
